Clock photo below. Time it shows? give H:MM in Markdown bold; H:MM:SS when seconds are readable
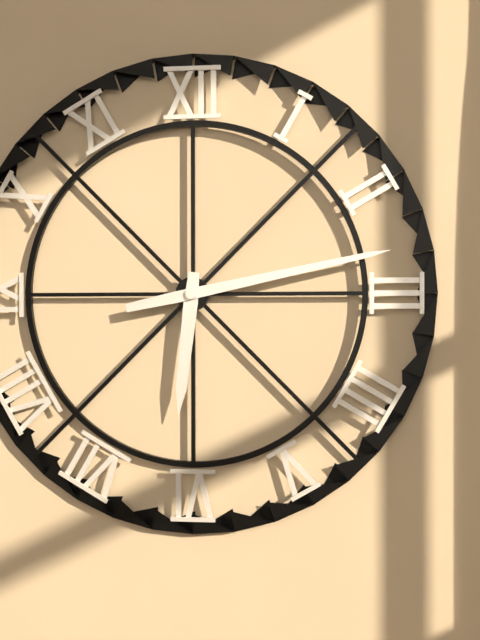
**6:13**
